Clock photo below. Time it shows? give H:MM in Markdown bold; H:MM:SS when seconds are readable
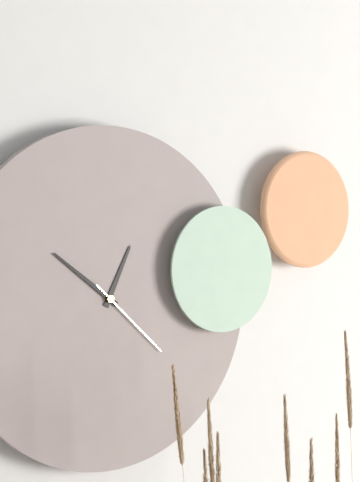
**12:51:22**
